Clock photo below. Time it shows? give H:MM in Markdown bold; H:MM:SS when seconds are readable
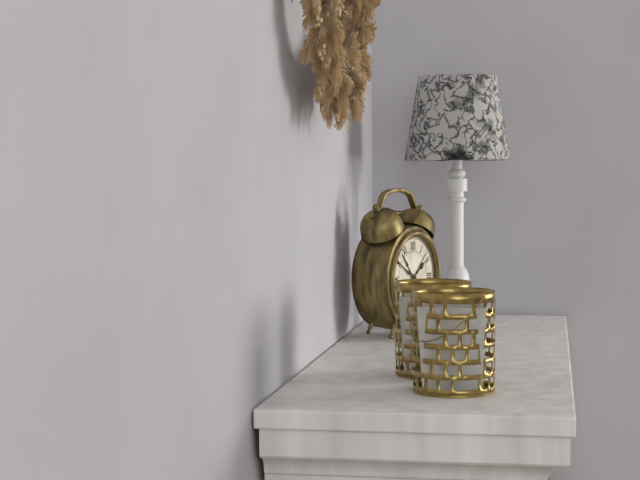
**1:50**
